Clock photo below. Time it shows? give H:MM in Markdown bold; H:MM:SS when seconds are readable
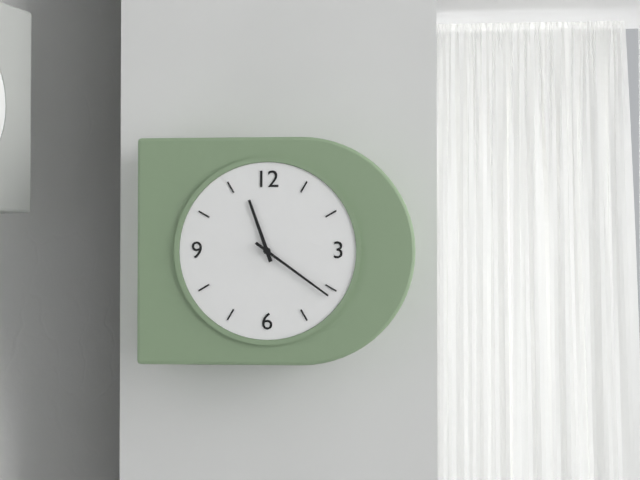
**11:21**
